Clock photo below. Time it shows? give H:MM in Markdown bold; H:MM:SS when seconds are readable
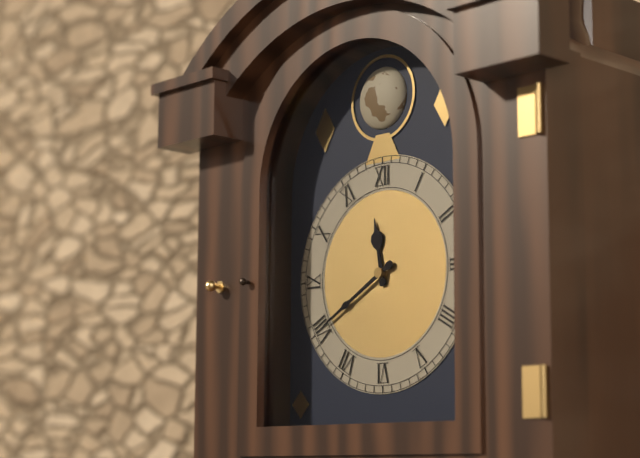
**11:40**
